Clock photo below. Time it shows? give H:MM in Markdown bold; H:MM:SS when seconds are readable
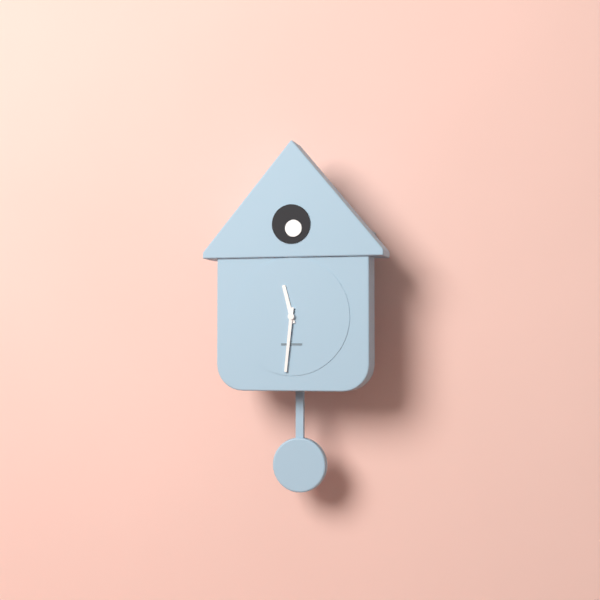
**11:31**
